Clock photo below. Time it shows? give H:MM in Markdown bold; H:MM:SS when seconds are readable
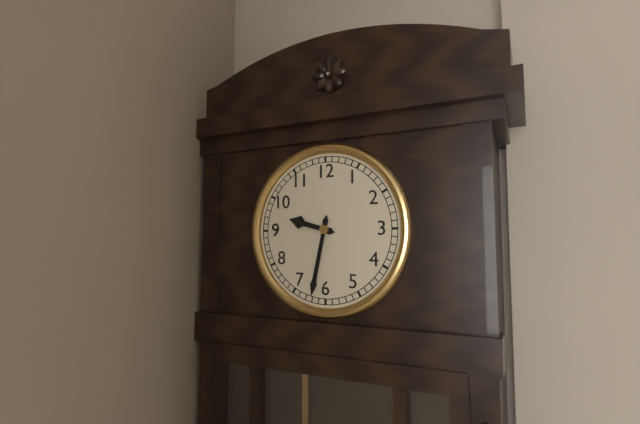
**9:32**
